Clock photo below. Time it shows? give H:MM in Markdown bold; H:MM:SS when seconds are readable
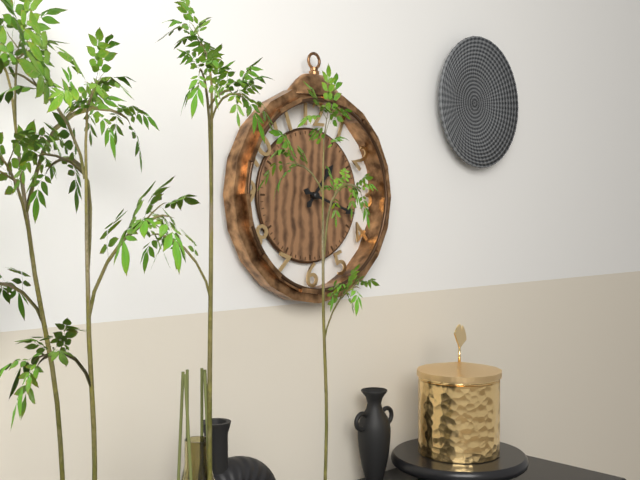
**1:18**
